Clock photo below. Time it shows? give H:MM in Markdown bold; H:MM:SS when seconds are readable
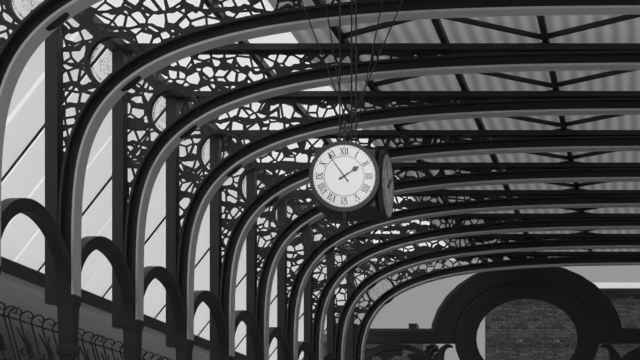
**1:54**
